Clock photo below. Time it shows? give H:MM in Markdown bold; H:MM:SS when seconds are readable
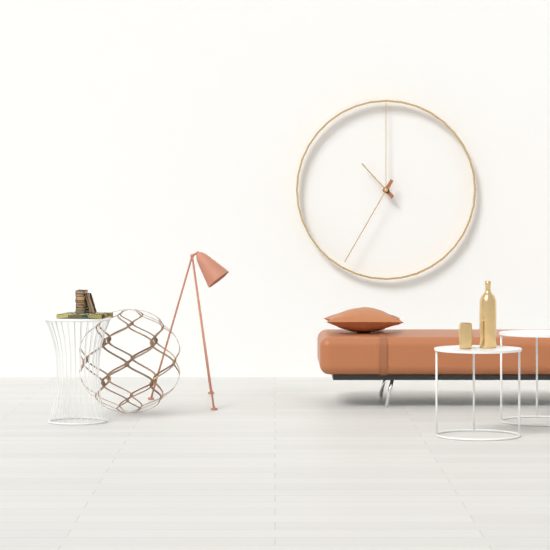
**10:35**
